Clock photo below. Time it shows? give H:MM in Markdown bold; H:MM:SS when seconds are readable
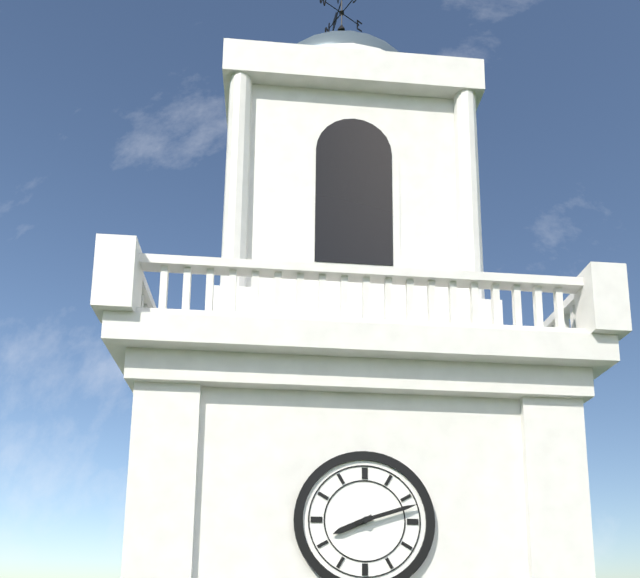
**8:12**
